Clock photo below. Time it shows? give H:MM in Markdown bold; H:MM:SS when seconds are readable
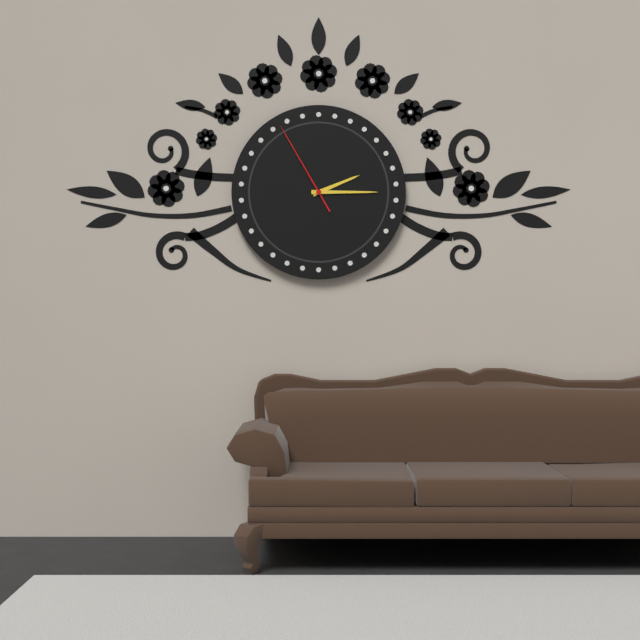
**2:15:55**
